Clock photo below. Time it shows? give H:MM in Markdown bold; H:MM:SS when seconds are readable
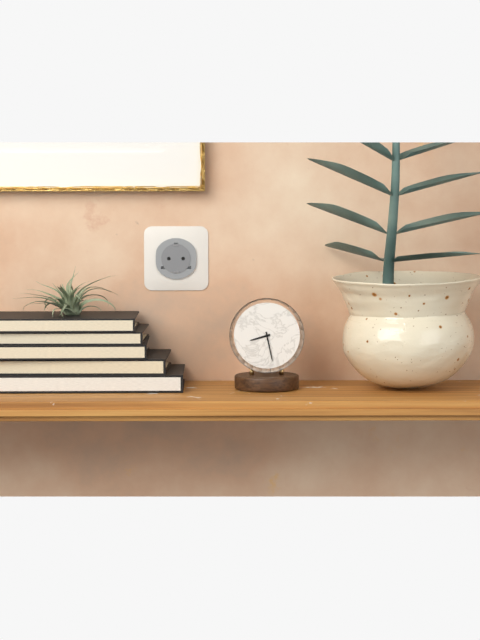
**8:28**
